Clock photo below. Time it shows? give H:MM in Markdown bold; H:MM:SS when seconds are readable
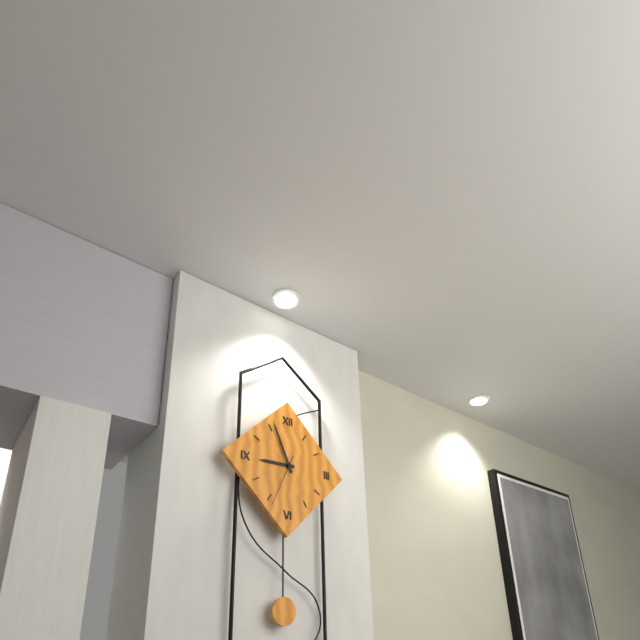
**8:56:34**
